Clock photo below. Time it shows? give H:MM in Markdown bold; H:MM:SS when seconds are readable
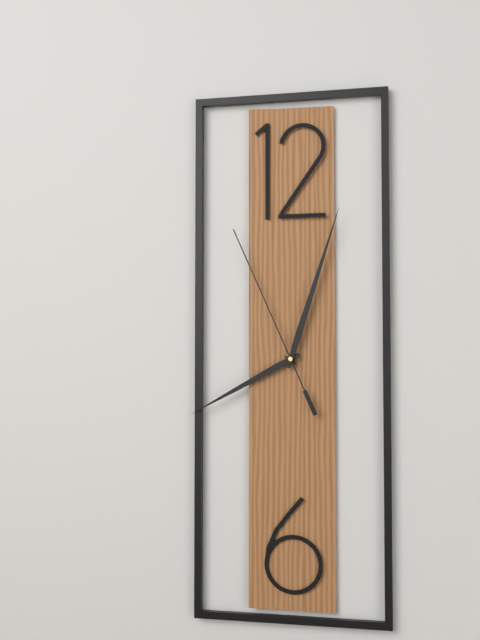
**8:03:56**
